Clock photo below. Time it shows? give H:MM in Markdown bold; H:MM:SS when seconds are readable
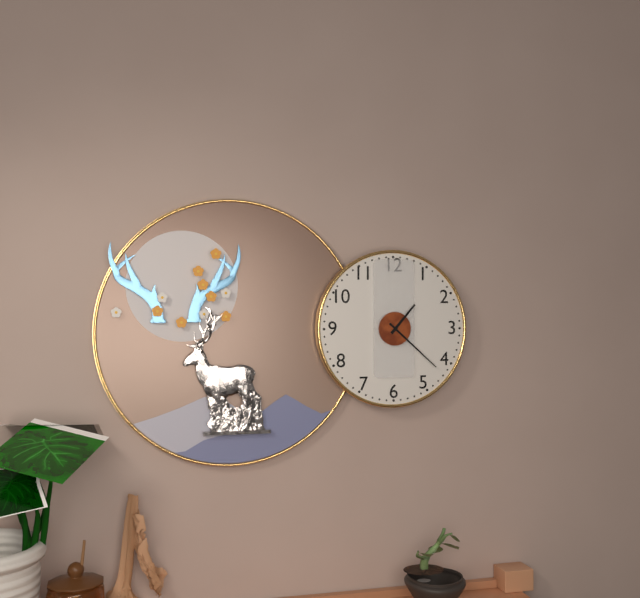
**1:22**
